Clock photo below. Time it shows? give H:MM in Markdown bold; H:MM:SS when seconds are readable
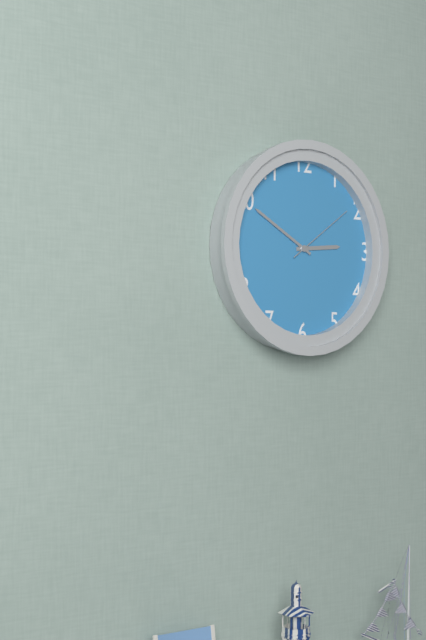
**2:50:09**
